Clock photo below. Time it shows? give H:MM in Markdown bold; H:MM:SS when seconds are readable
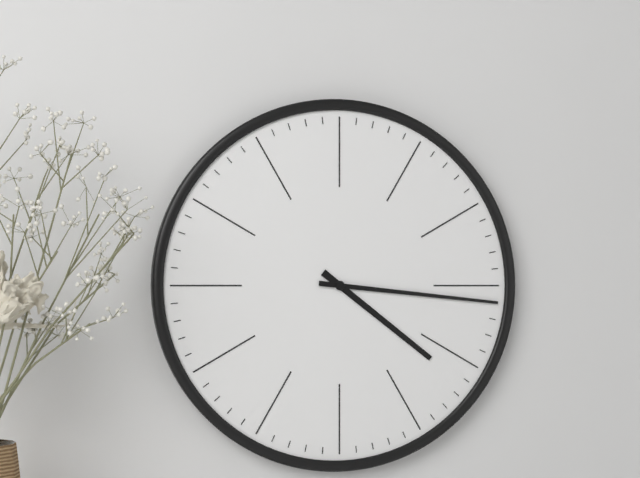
**4:16**
